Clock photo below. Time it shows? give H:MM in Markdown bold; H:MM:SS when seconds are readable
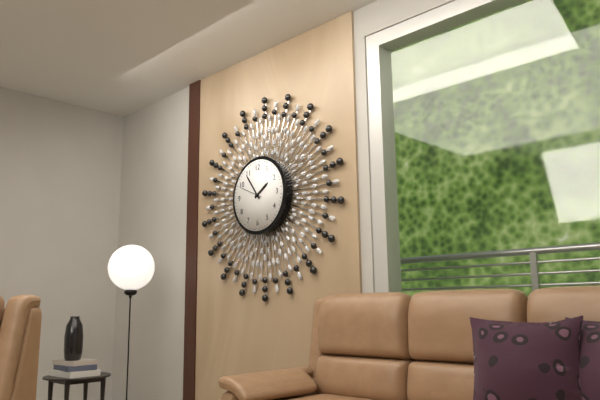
**1:54**
